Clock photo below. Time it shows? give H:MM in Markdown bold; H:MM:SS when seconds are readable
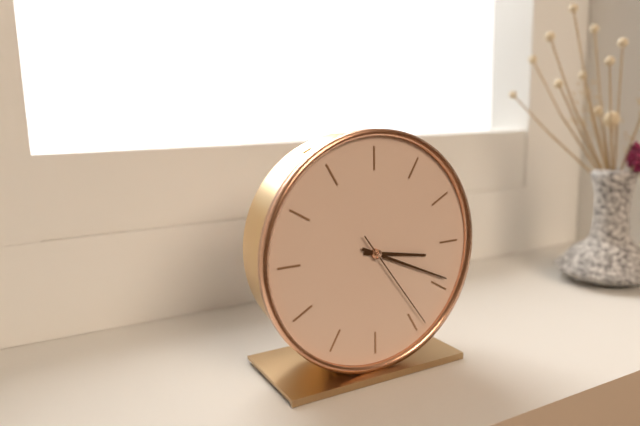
**3:19:24**
